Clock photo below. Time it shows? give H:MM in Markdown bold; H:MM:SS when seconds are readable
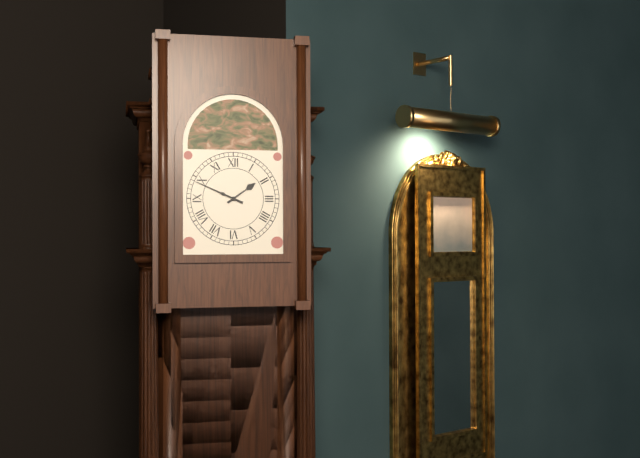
**1:49**
